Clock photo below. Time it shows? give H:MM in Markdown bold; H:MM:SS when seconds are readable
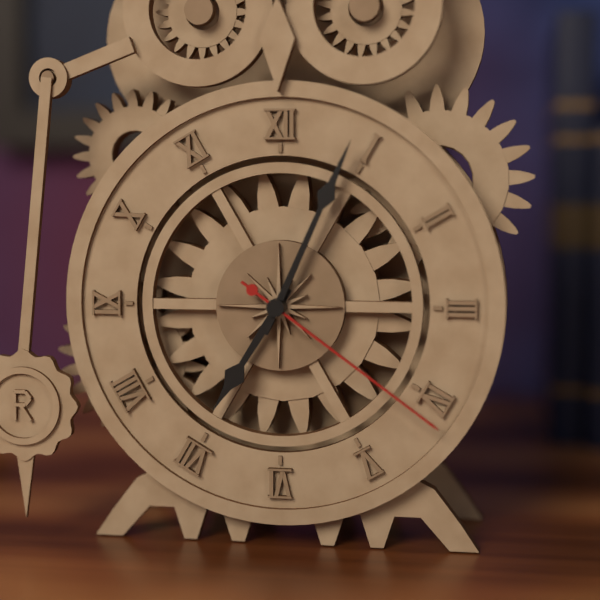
**7:04:21**
